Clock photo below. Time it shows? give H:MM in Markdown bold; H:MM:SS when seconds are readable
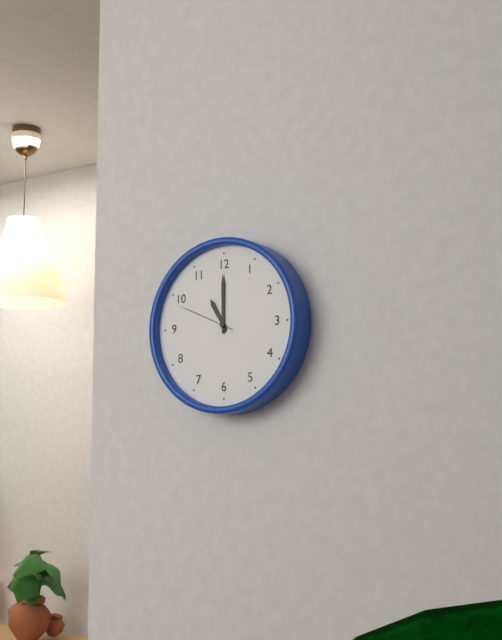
**11:00:49**
